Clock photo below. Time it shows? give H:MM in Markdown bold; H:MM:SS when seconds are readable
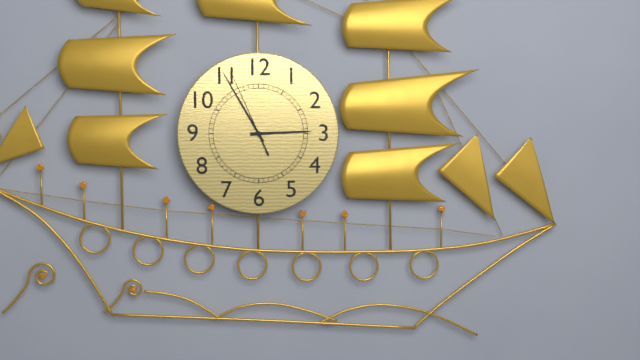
**2:55:56**
